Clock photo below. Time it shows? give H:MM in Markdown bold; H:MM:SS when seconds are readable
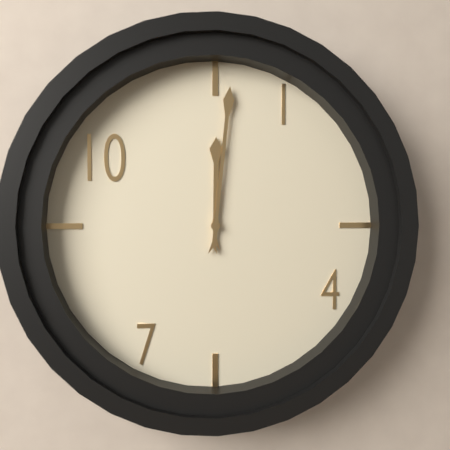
**12:01**
